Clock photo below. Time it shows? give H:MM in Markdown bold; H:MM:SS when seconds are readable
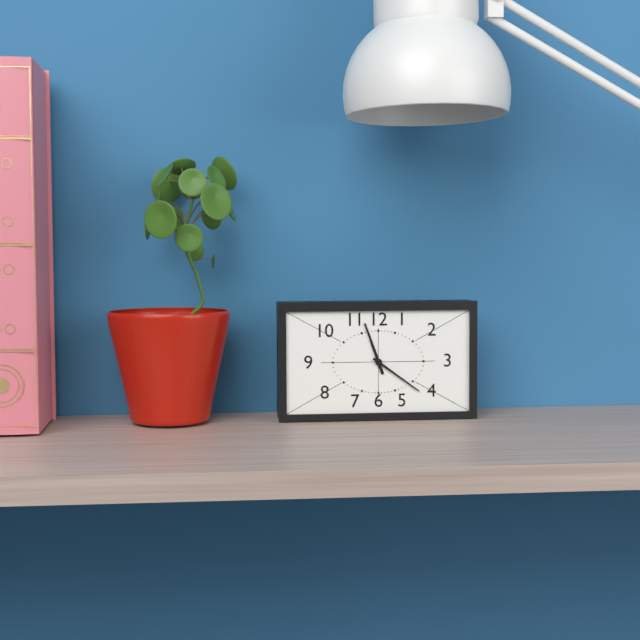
**11:21**
